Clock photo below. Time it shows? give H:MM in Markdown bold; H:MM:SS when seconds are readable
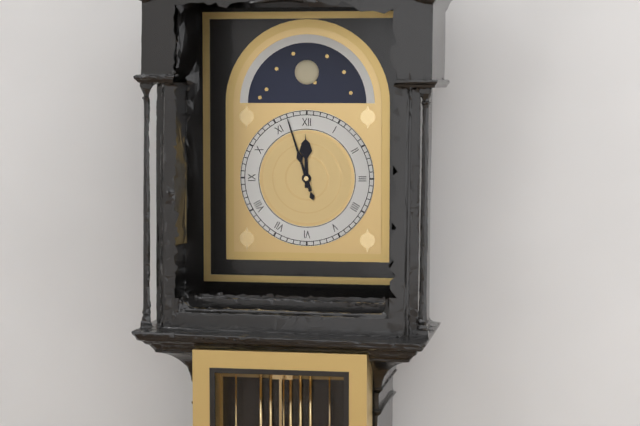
**11:57**
